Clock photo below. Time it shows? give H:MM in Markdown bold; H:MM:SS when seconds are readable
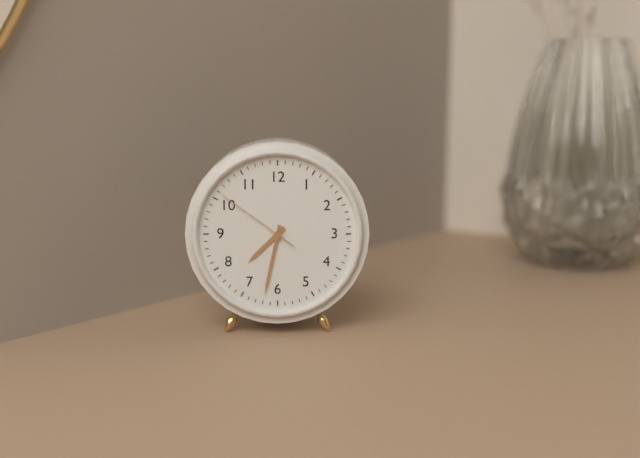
**7:32:51**
